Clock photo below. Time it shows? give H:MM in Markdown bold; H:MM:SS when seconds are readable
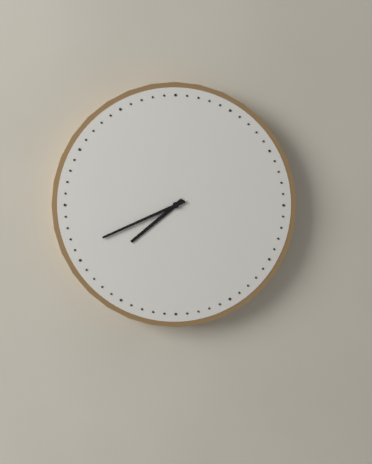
**7:41**
